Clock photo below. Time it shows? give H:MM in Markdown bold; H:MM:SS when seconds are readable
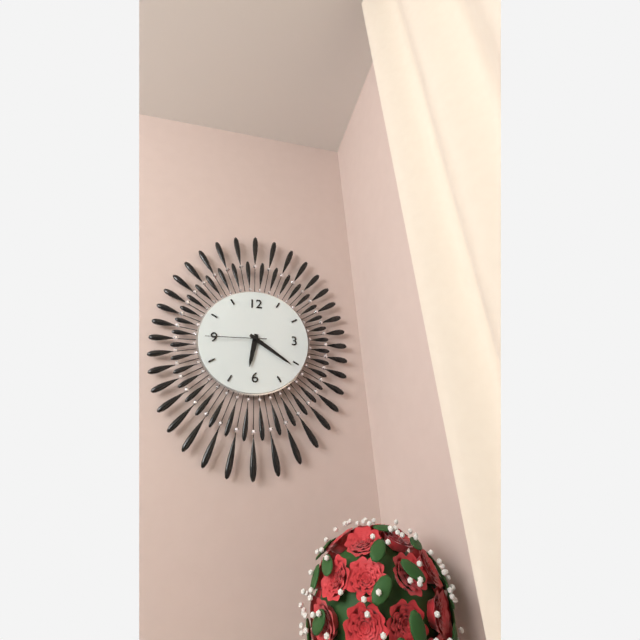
**6:21:45**
